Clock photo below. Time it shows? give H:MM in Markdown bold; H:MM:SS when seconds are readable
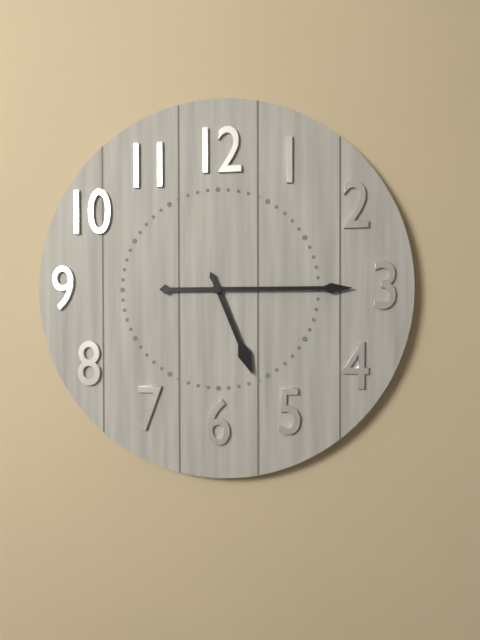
**5:15**
